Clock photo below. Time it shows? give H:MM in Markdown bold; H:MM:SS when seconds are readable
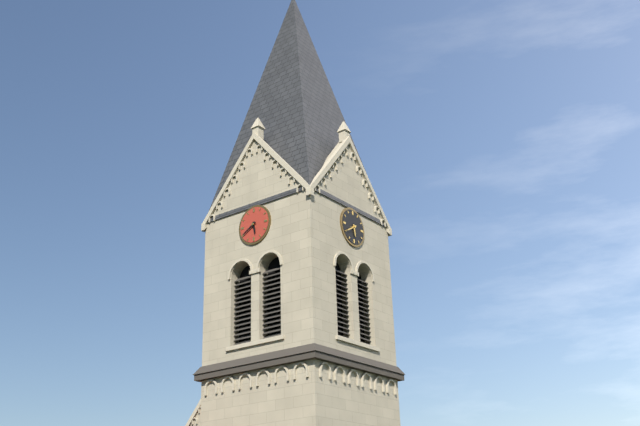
**5:40**
